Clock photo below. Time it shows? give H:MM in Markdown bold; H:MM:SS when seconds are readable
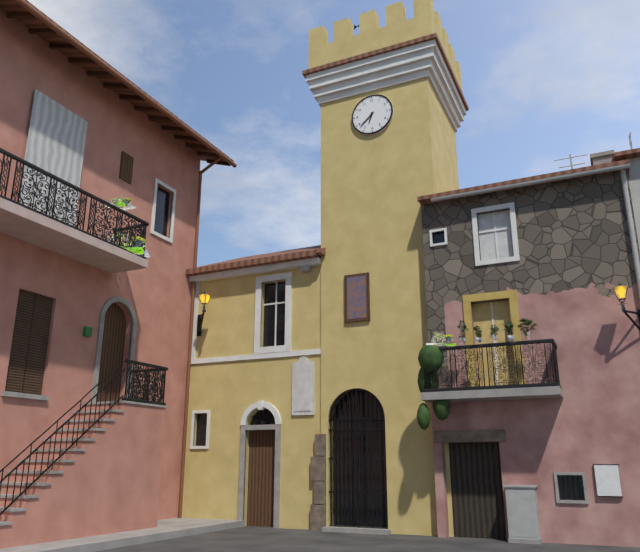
**6:38**
